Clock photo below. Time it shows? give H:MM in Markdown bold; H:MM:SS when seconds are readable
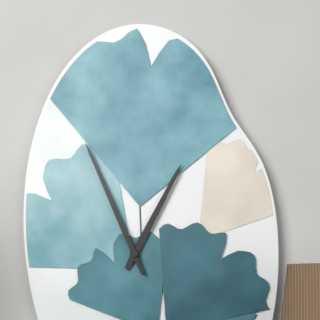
**12:56**
